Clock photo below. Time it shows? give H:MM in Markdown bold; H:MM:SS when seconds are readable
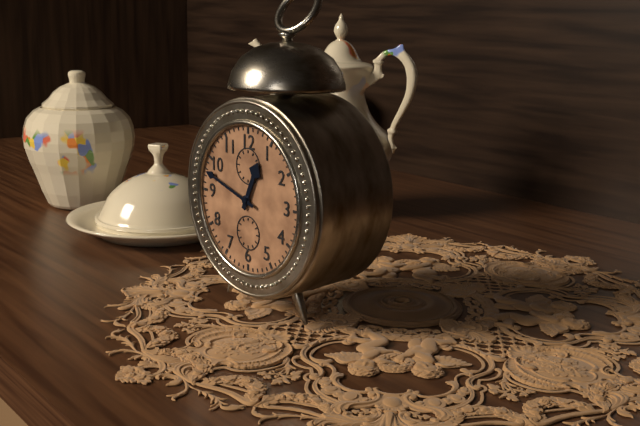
**12:48**
